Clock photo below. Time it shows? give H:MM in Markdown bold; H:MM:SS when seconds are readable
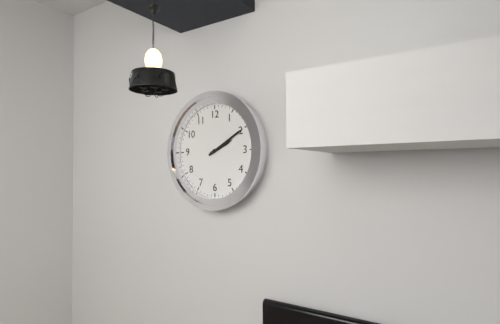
**2:10**
